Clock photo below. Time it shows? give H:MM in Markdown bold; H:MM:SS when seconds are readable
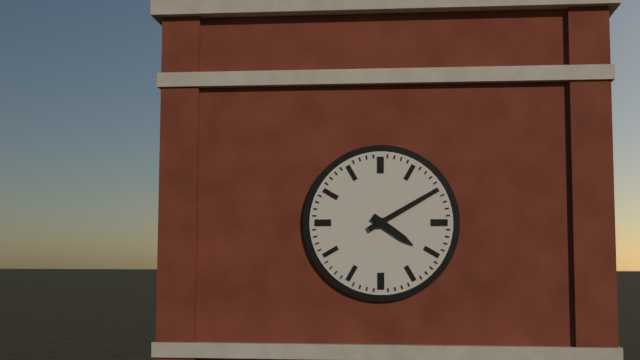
**4:10**
